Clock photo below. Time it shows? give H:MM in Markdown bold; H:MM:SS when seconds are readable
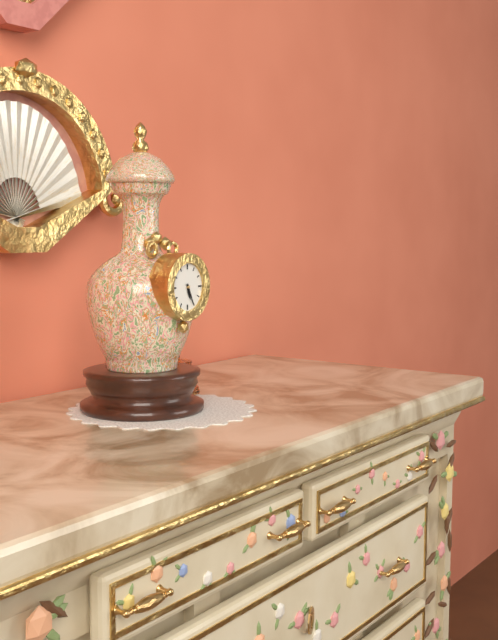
**5:26**
